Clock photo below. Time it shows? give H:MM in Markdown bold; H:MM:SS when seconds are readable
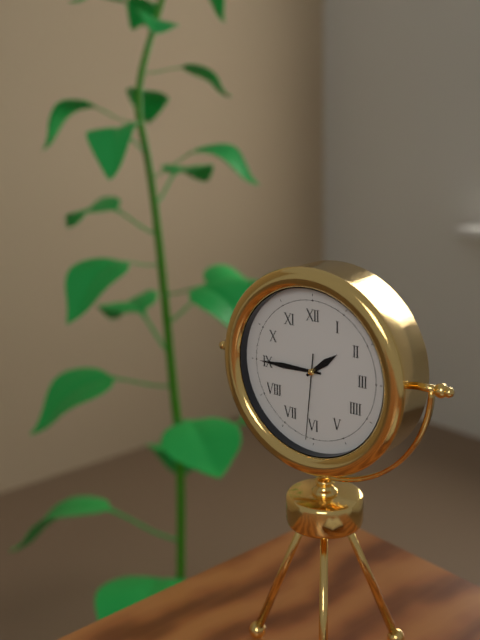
**1:45:31**
